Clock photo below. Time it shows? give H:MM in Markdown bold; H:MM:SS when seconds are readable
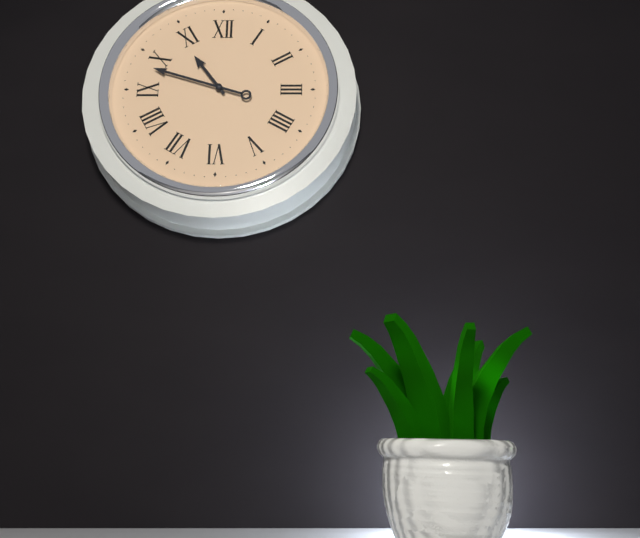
**10:48**
